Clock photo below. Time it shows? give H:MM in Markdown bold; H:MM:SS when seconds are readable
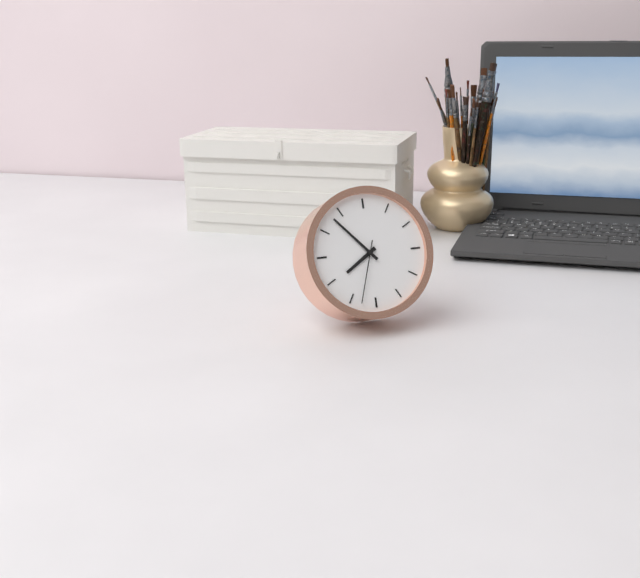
**7:53:33**
